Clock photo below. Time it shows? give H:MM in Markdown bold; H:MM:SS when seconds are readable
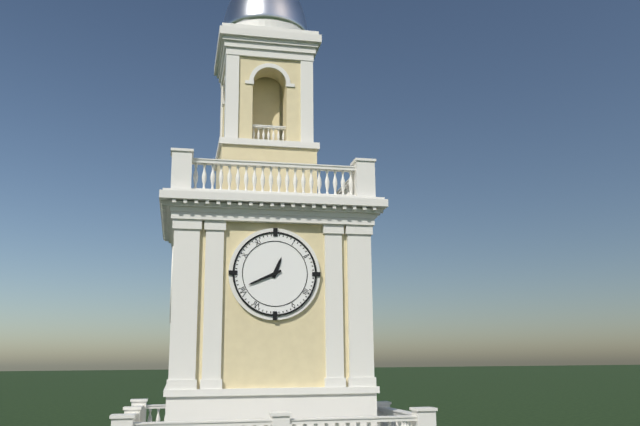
**12:41**
